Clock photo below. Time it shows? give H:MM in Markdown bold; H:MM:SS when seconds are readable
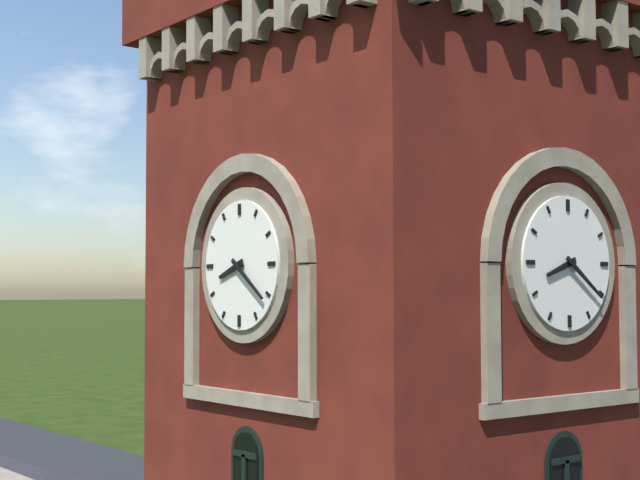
**8:21**
